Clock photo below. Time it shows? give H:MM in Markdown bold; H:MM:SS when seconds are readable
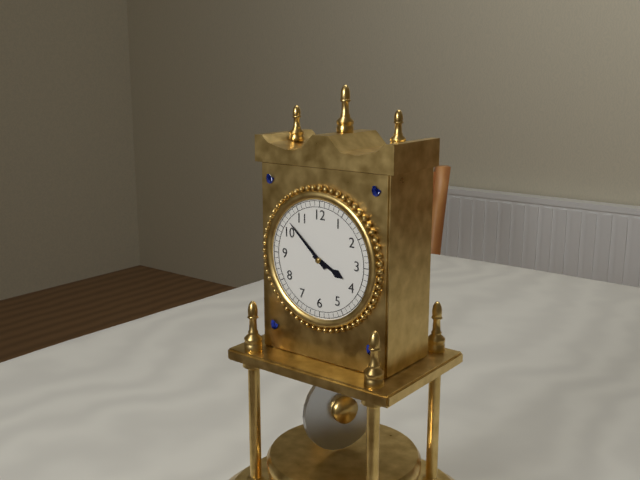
**3:52**
